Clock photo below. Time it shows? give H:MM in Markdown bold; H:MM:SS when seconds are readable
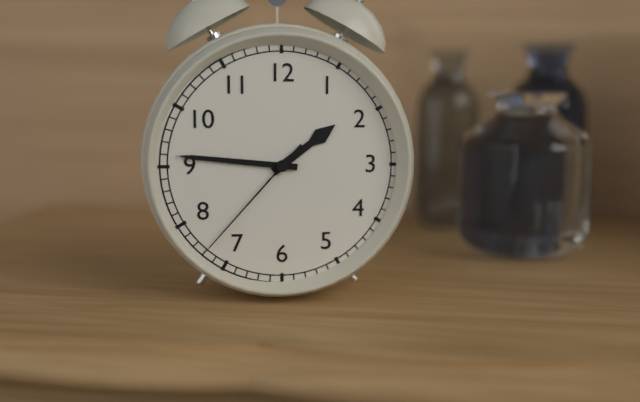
**1:46:37**
